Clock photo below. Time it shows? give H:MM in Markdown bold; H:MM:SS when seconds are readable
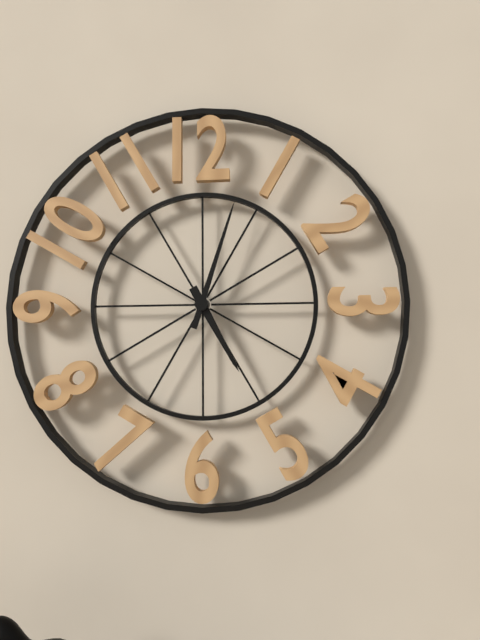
**5:03**
